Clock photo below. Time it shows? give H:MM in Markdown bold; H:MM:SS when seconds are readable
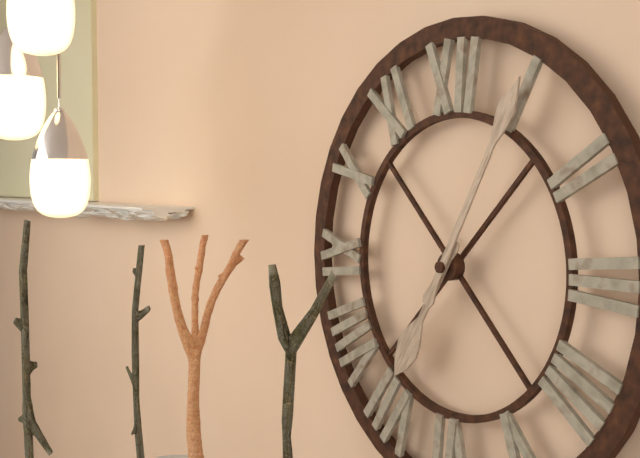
**7:05**
